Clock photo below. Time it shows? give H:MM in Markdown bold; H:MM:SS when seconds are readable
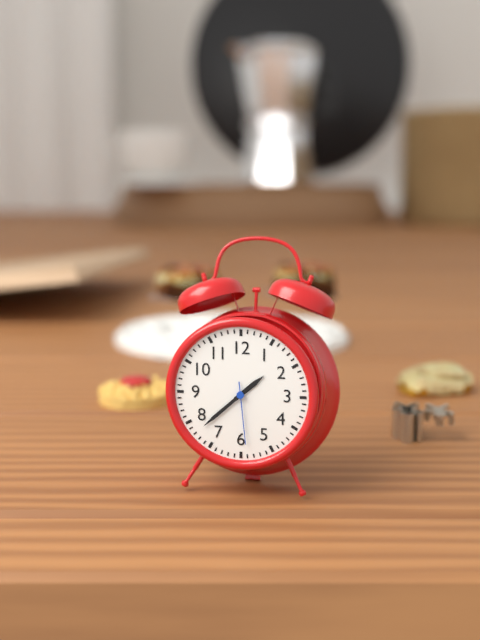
**1:38:29**
